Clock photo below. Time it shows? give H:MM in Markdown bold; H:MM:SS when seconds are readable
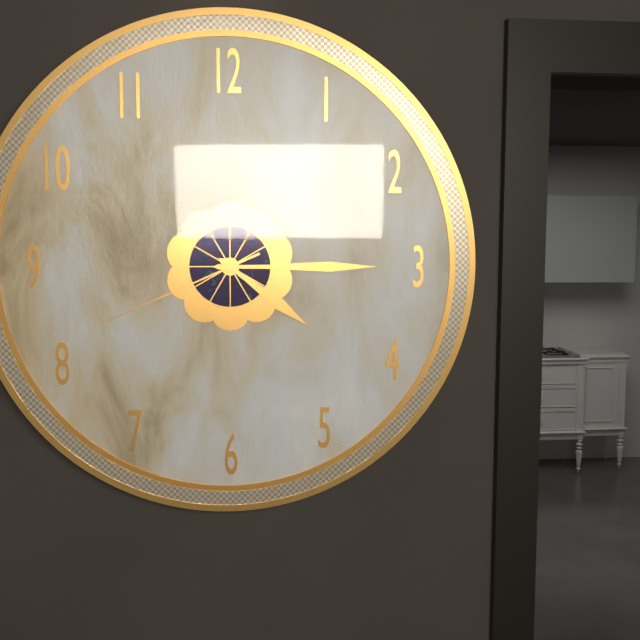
**4:15:41**
